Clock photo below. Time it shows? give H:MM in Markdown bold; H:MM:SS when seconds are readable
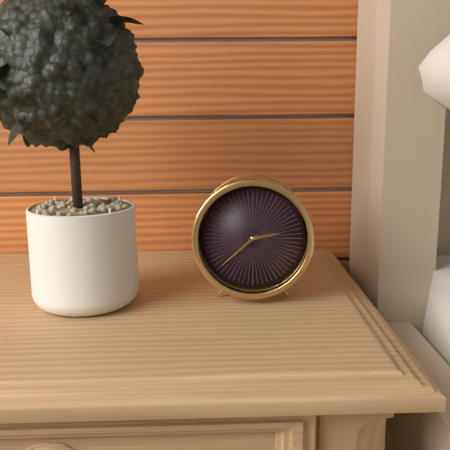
**2:38**
